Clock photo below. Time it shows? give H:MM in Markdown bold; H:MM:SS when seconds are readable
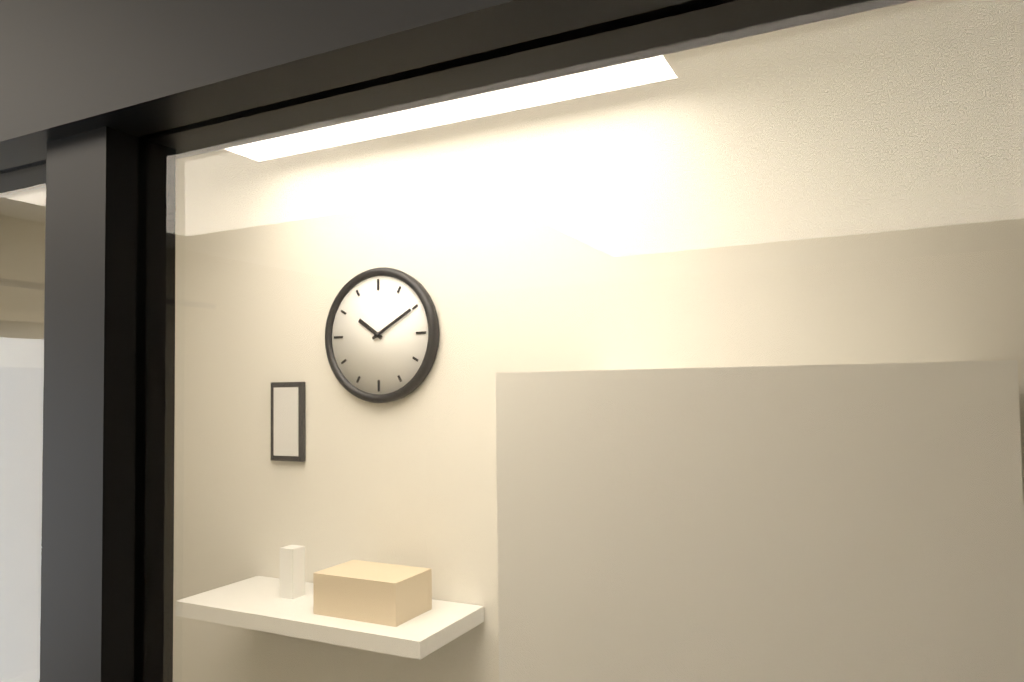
**10:10**
